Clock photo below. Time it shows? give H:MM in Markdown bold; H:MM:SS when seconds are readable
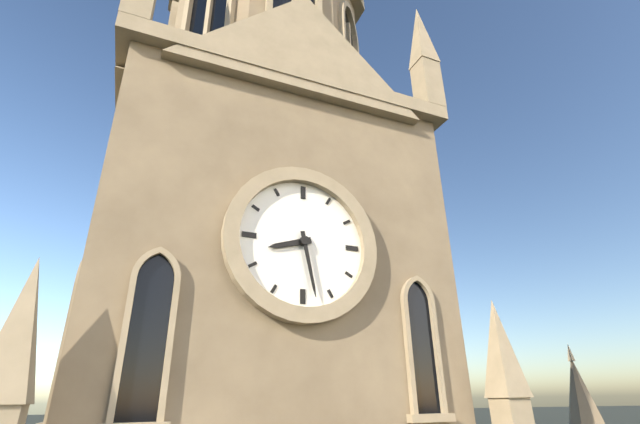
**8:28**
